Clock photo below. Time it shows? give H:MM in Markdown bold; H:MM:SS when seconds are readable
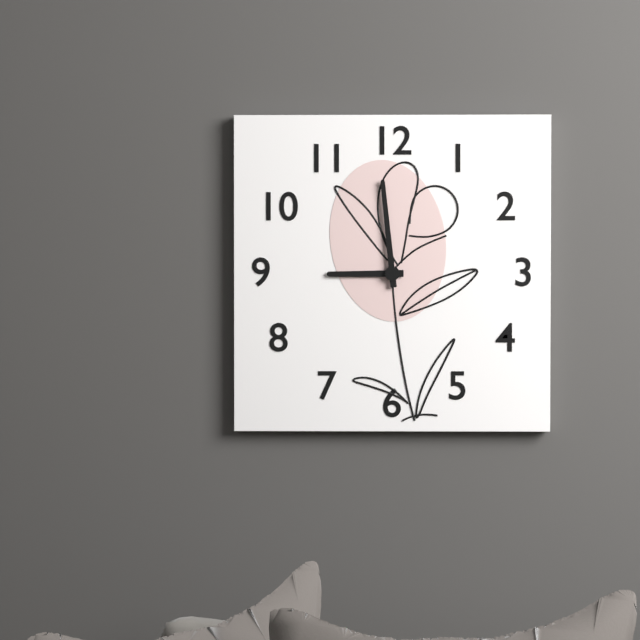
**8:59**
